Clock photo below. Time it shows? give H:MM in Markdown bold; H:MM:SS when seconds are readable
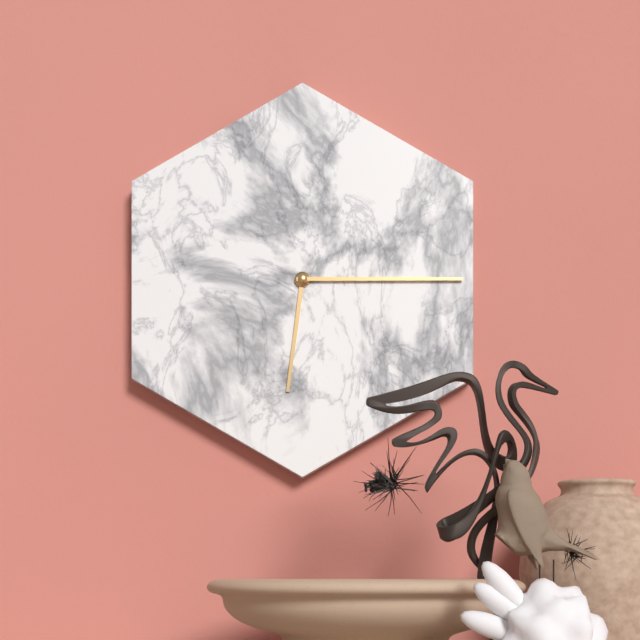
**6:15**
